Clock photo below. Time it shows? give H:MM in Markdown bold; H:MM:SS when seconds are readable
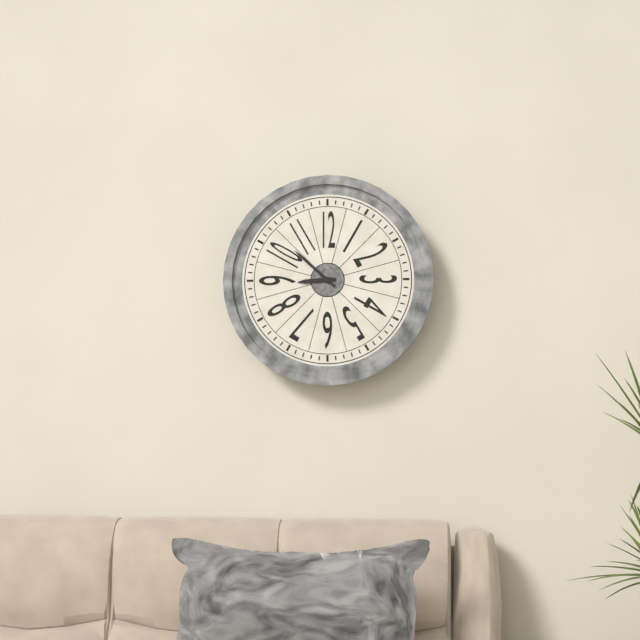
**8:52**
